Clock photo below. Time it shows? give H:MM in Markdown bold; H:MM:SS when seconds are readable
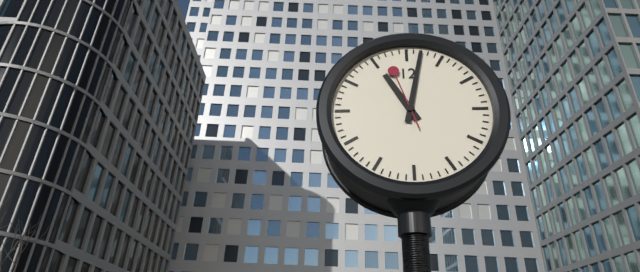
**11:02:57**
